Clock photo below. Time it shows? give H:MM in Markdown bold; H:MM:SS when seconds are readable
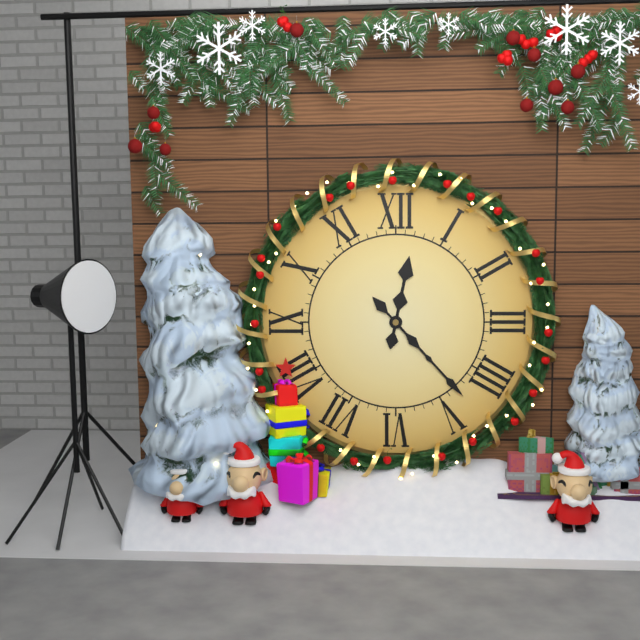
**12:23**
